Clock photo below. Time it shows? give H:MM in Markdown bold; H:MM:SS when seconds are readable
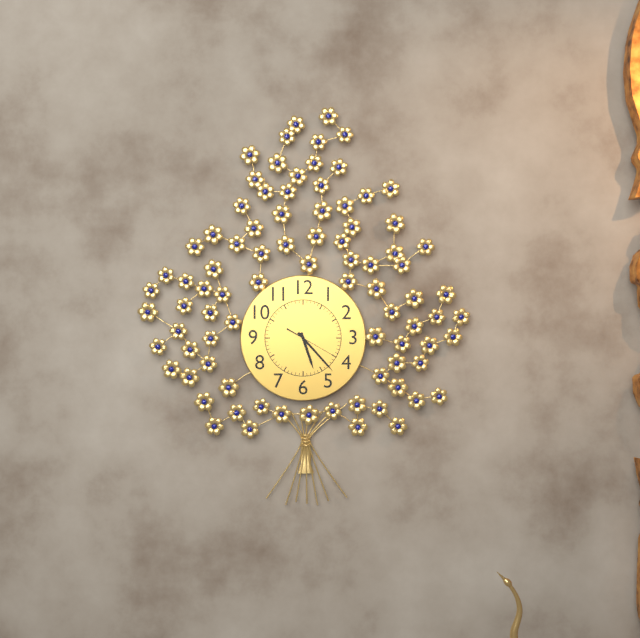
**5:23**
